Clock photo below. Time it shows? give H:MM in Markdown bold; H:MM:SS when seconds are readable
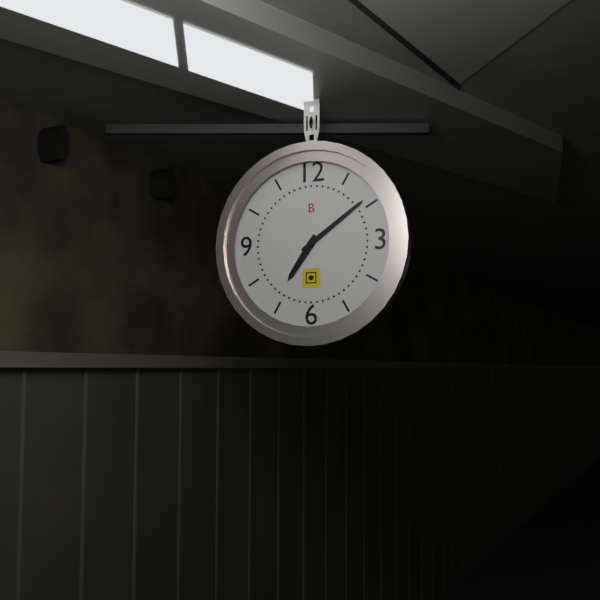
**7:09**
